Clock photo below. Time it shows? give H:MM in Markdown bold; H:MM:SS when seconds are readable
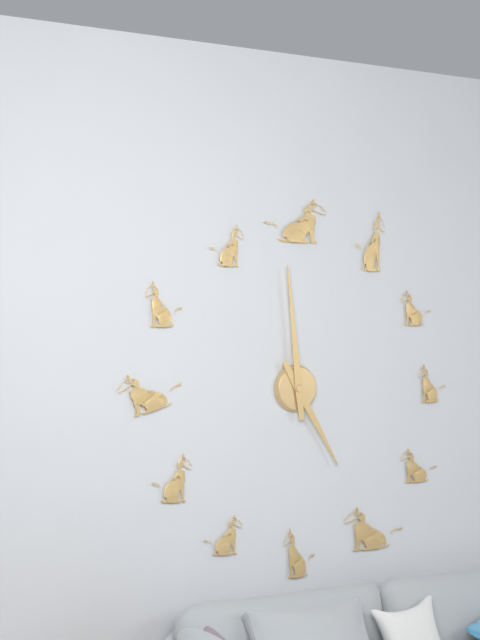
**4:59**
